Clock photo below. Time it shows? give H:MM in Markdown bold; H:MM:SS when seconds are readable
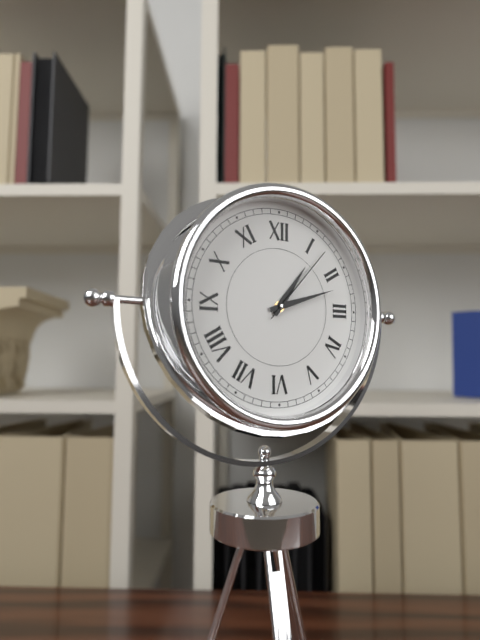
**1:12:07**
